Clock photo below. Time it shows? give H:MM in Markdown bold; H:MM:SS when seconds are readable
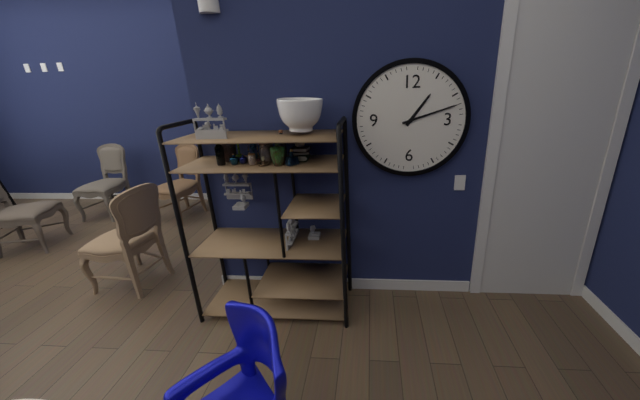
**1:12**
